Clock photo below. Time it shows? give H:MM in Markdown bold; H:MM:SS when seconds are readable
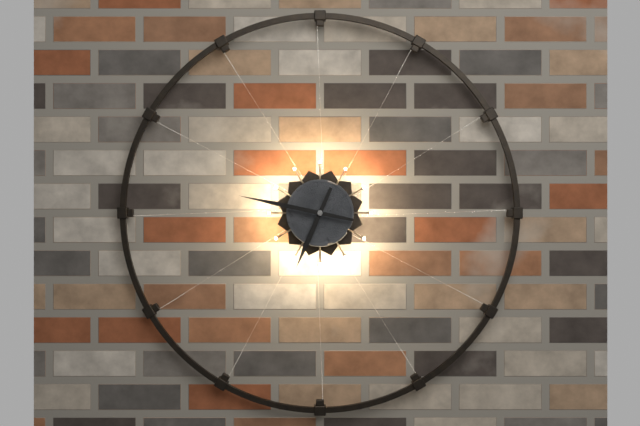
**6:47**
